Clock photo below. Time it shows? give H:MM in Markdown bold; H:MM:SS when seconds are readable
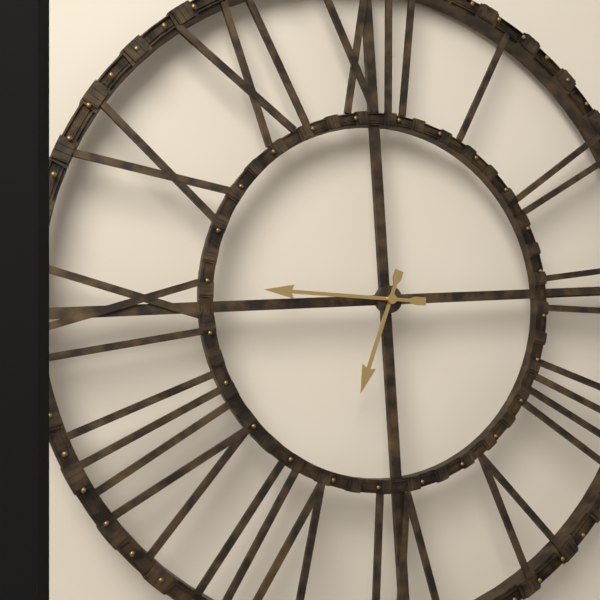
**6:46**
